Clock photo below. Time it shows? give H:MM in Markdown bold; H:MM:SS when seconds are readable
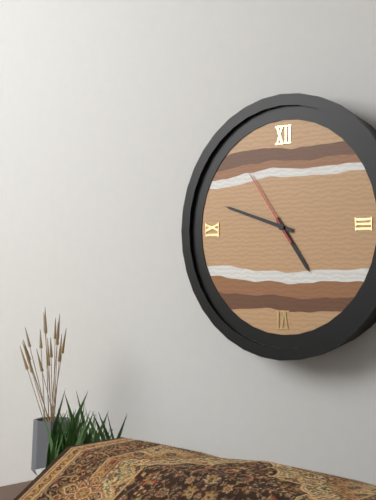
**4:48:54**
